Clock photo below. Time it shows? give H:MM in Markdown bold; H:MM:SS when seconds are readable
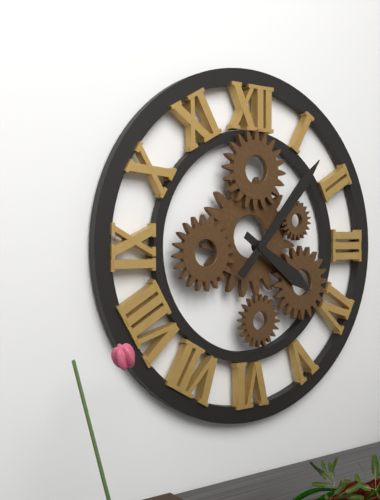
**4:07**
